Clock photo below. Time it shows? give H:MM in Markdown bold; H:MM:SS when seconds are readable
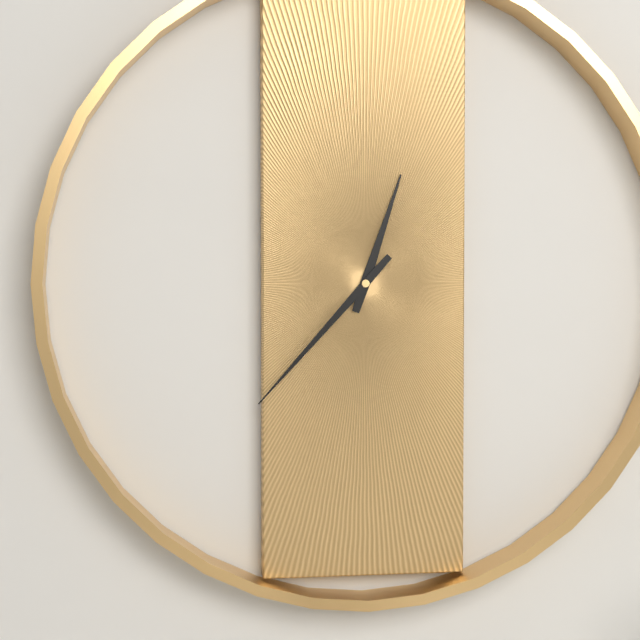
**12:37**
